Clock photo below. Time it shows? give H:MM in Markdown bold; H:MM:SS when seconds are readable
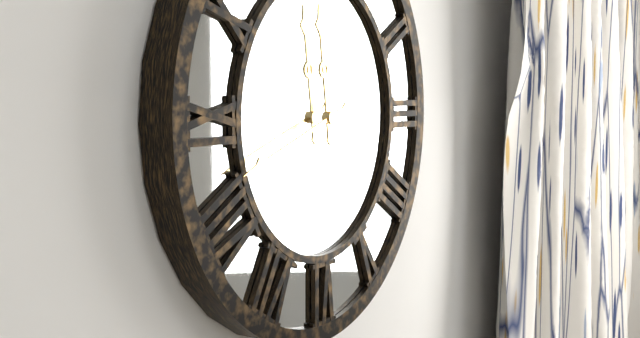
**11:42**
